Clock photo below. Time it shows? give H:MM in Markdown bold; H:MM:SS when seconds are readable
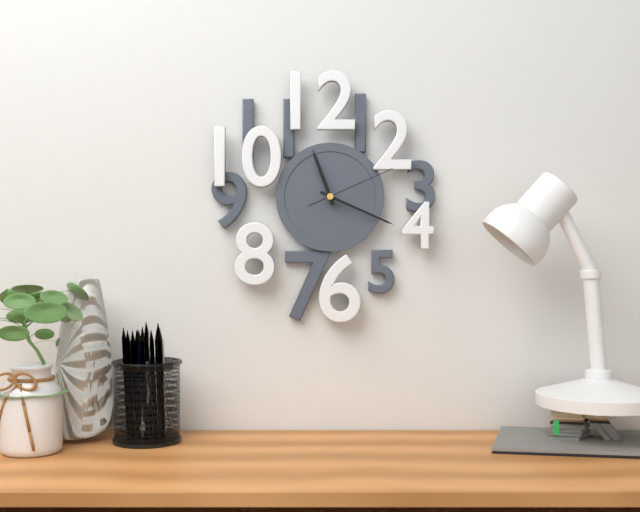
**11:19:11**
